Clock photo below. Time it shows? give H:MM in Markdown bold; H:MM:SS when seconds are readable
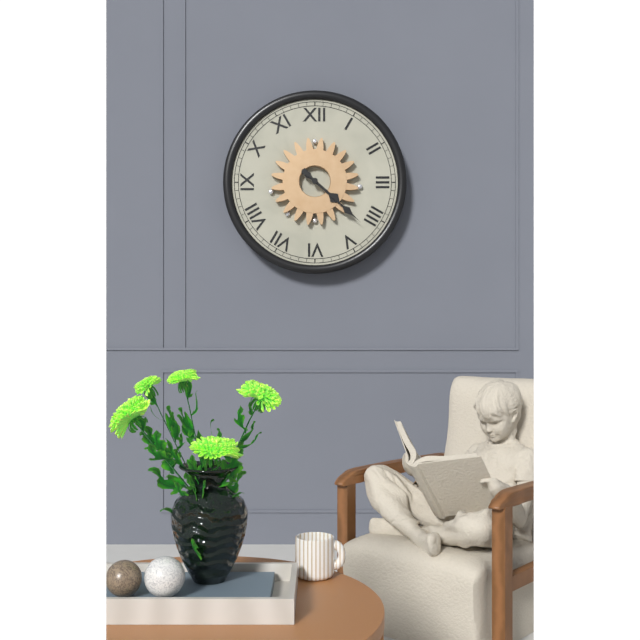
**4:22**
